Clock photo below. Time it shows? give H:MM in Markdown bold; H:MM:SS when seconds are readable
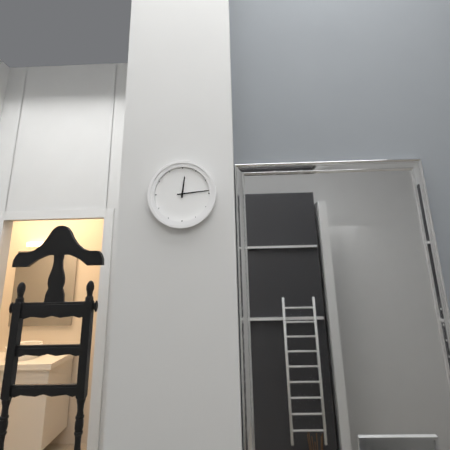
**12:14**
